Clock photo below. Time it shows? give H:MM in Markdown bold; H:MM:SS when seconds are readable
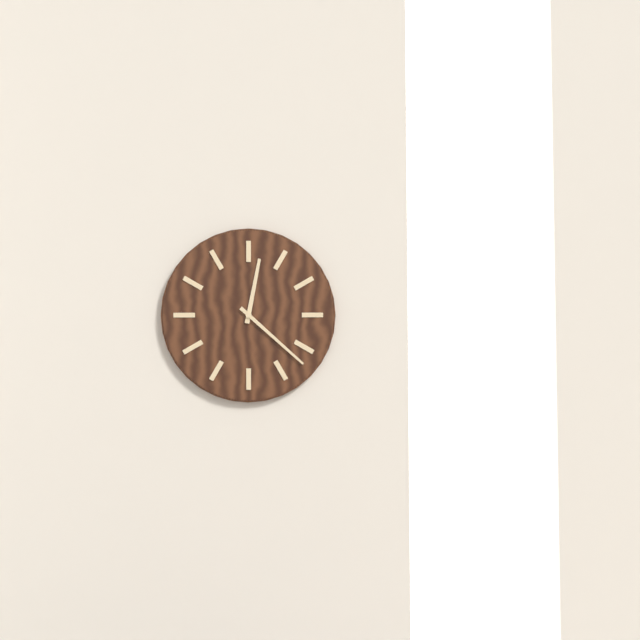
**12:22**
